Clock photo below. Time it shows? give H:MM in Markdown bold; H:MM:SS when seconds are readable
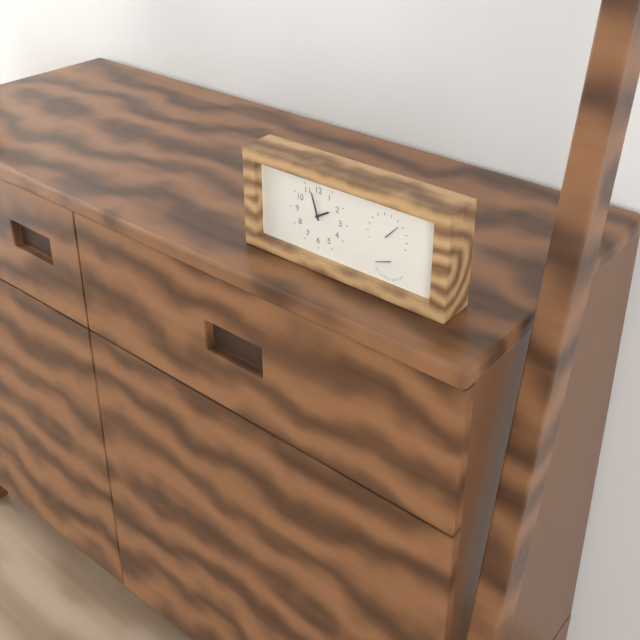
**1:57**
